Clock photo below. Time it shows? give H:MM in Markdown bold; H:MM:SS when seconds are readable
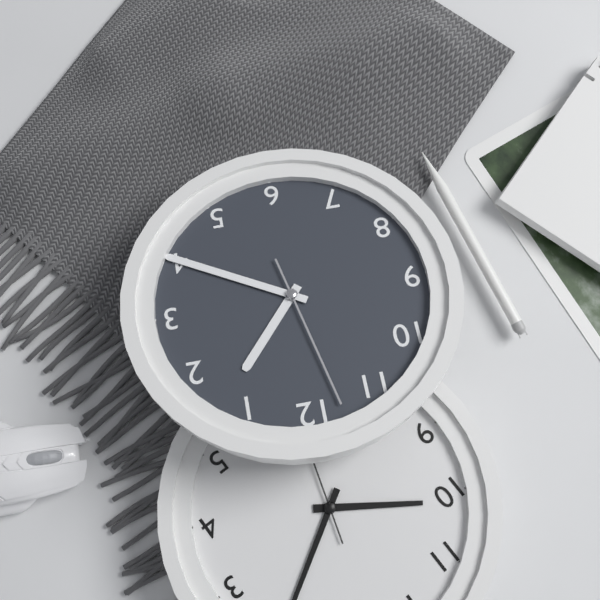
**1:20:58**
